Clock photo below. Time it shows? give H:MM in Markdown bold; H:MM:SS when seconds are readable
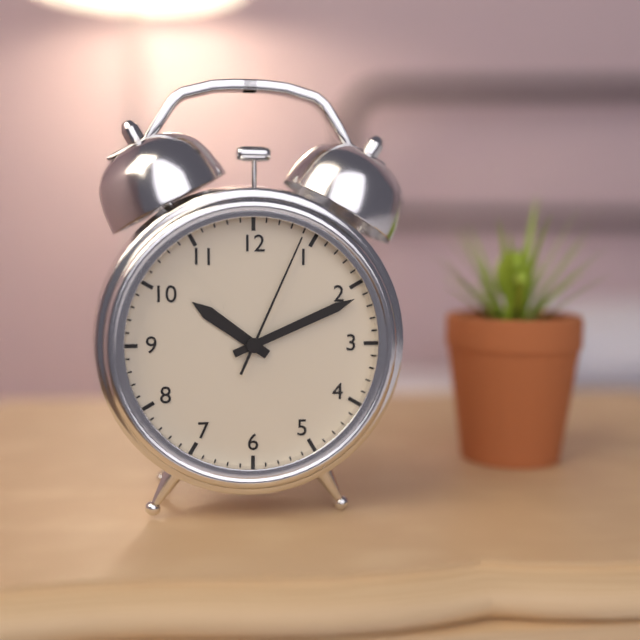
**10:11:04**
